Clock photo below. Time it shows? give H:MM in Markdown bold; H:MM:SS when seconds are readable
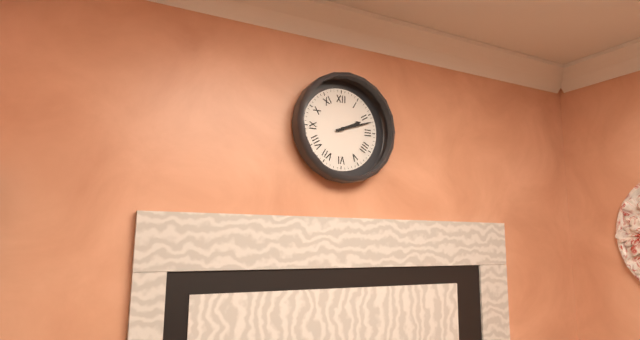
**2:12**
